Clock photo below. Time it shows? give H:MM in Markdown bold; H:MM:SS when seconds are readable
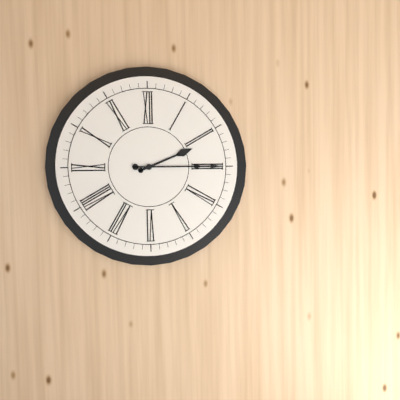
**2:15**
